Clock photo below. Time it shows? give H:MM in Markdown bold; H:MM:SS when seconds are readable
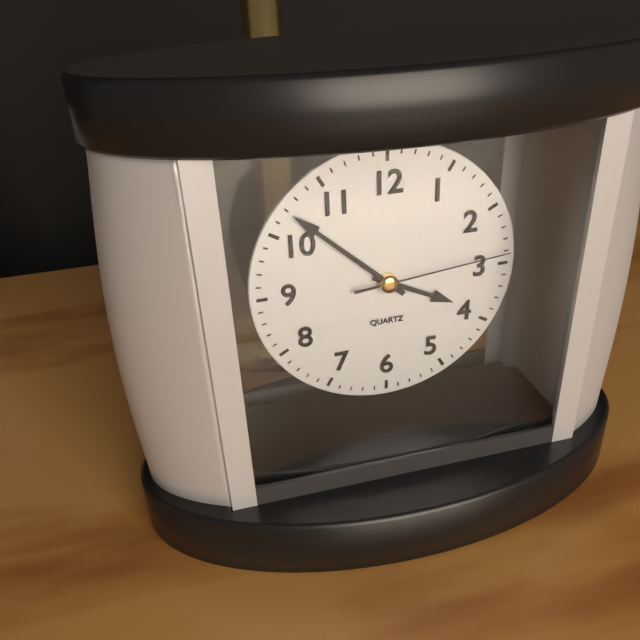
**3:52:14**
